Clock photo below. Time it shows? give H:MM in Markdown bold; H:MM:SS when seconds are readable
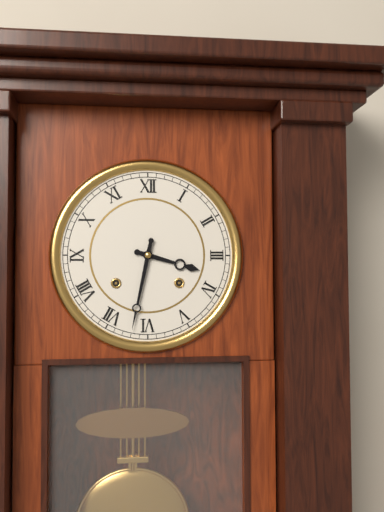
**3:32**
